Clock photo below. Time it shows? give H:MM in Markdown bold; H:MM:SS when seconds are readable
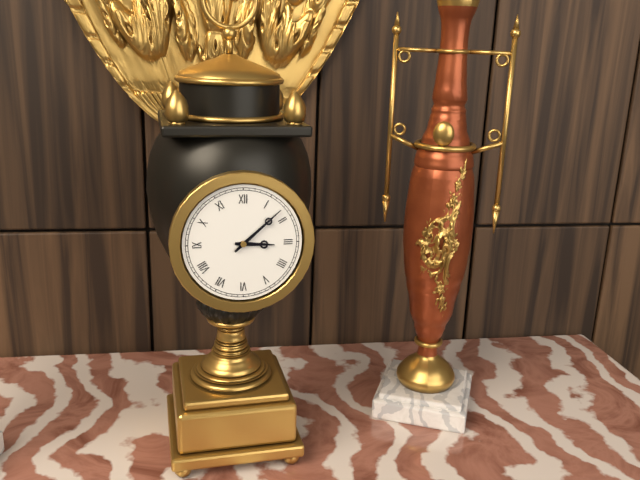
**3:08**
